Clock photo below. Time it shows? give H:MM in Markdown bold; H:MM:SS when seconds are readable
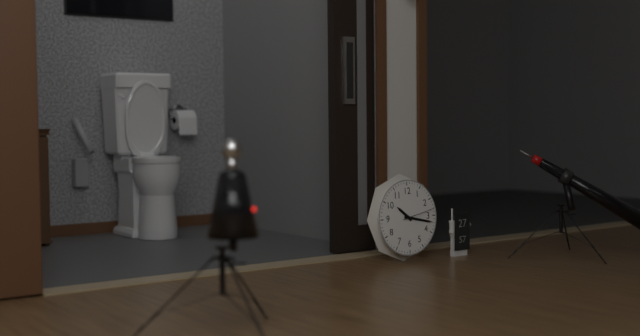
**10:17**
